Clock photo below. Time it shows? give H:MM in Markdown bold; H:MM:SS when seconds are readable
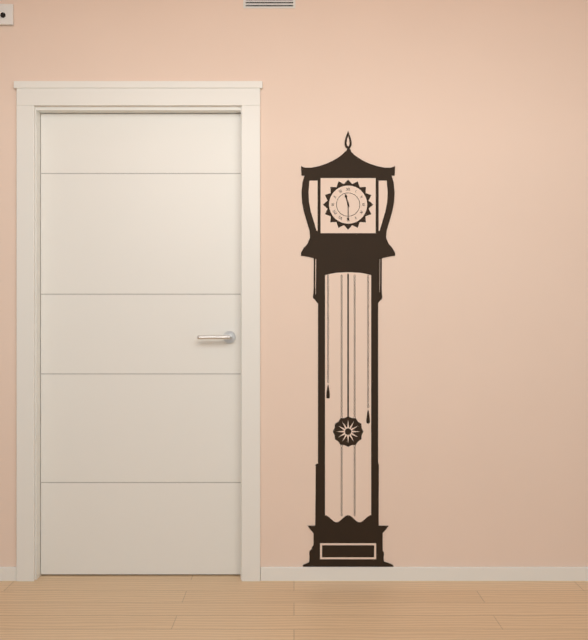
**11:30**
